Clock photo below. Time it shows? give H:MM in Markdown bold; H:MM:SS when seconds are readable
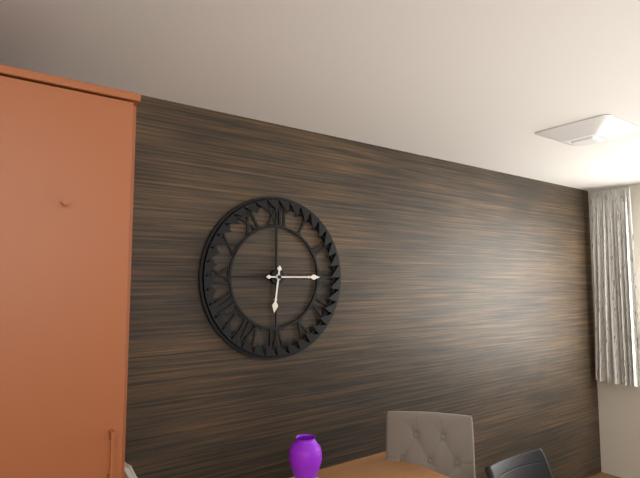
**6:15**
